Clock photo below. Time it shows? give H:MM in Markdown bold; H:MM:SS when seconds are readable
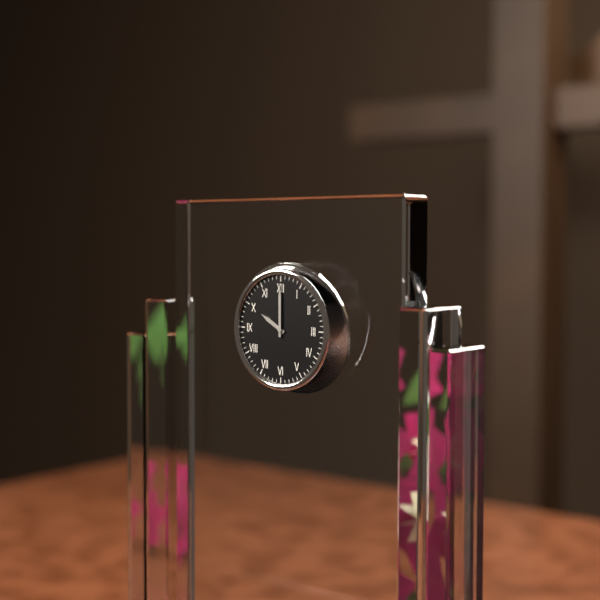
**10:00**
